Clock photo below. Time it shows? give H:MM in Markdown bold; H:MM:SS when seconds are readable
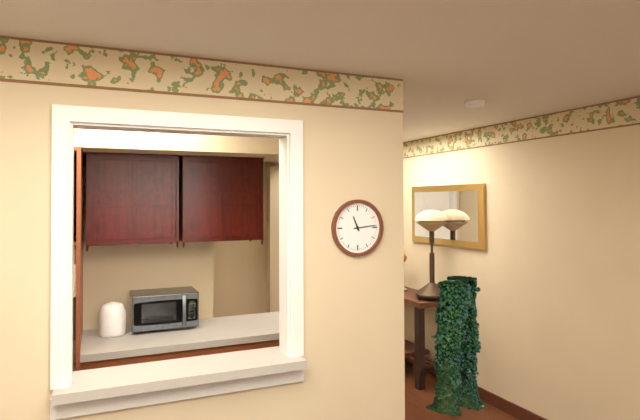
**11:14**
